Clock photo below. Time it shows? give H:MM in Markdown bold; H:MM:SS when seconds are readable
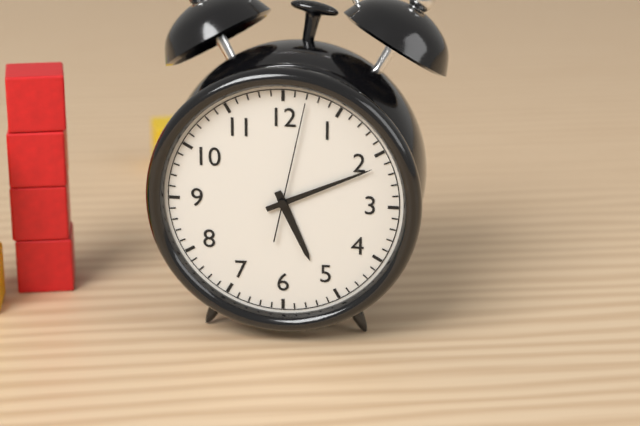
**5:11:02**
